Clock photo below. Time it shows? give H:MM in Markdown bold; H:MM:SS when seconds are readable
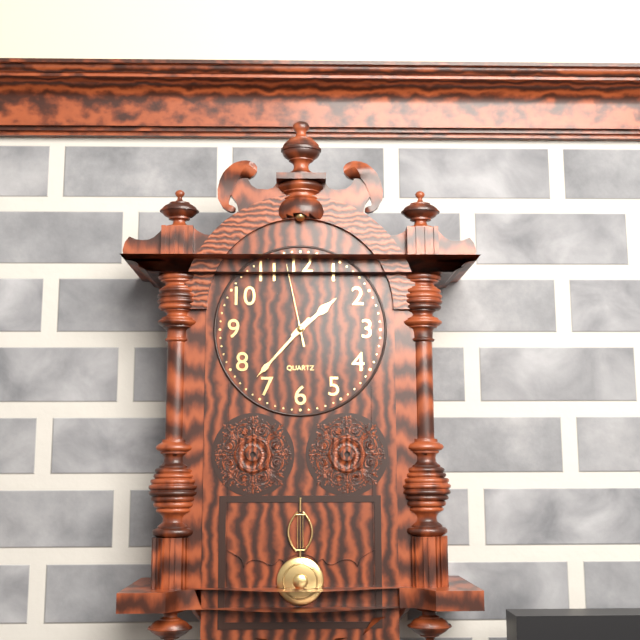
**1:37:58**
